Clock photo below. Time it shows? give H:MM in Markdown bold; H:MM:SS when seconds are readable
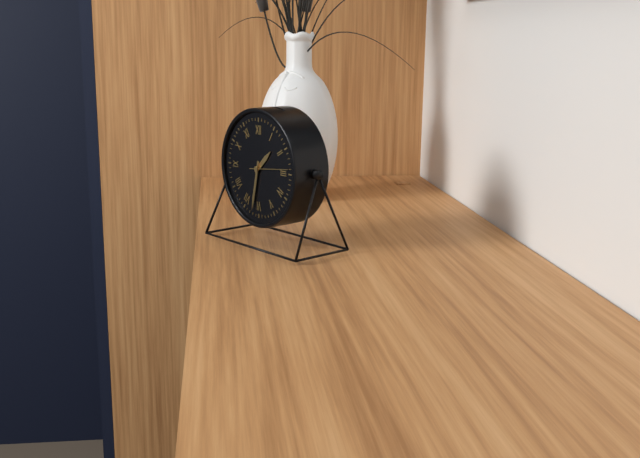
**1:32**
